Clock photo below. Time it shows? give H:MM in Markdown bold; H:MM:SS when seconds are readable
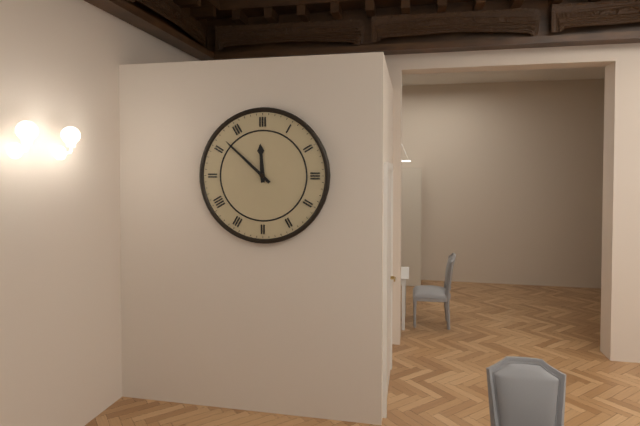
**11:52**
